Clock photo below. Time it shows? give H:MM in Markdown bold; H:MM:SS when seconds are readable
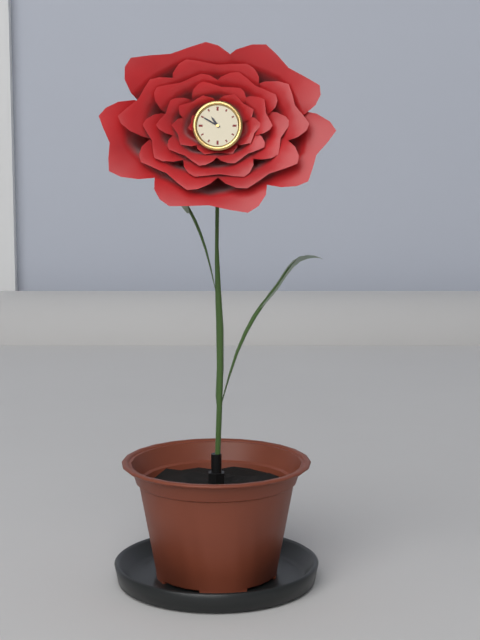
**10:50**
